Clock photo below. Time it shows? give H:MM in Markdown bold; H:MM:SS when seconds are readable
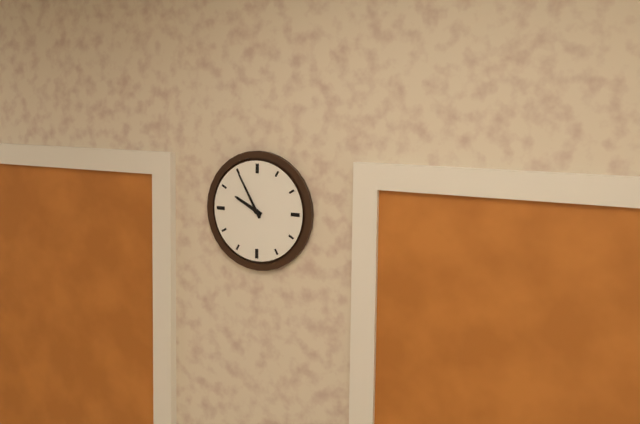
**9:55**
